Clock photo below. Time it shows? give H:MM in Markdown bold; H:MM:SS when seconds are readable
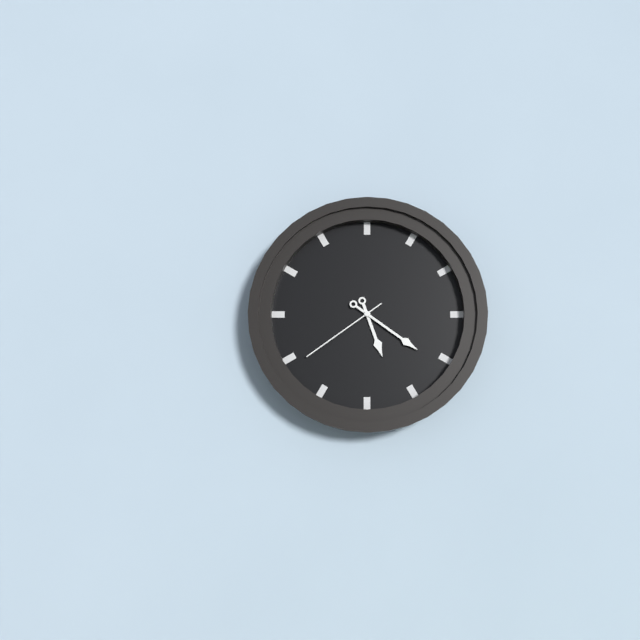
**5:21:39**
